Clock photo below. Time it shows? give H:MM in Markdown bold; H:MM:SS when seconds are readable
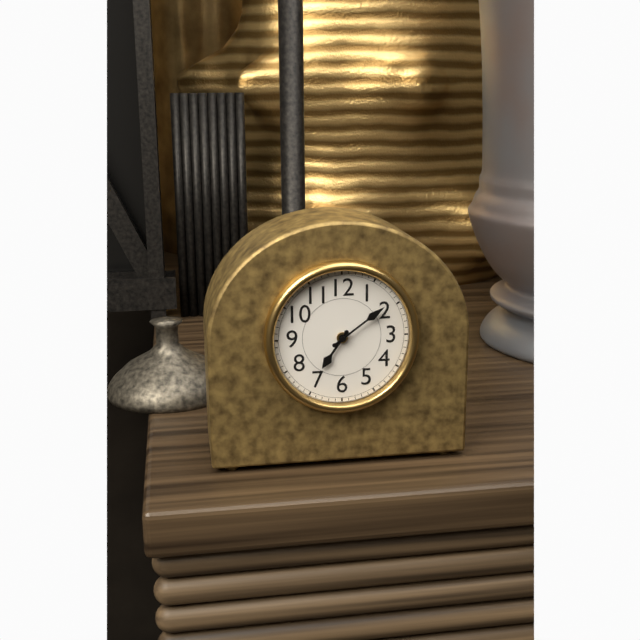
**7:09**
